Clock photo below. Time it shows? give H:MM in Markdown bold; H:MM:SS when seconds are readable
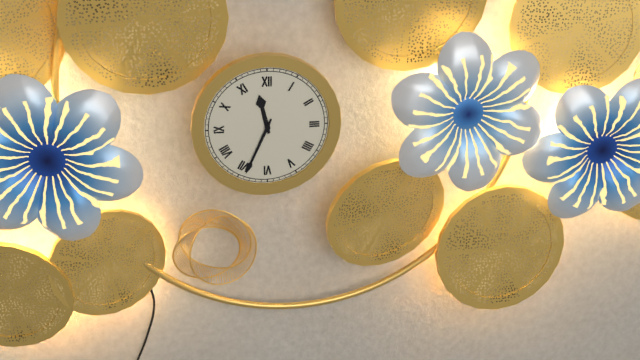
**11:34**
